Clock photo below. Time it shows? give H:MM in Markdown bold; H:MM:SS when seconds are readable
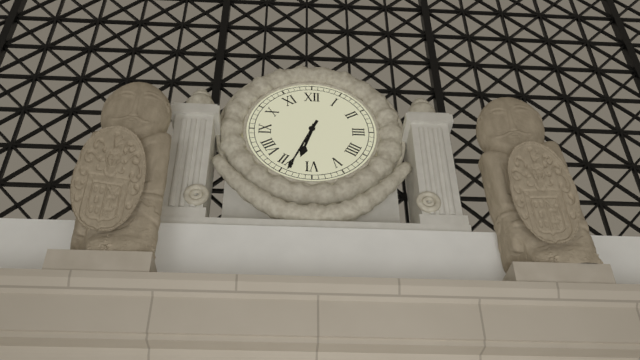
**6:34**
